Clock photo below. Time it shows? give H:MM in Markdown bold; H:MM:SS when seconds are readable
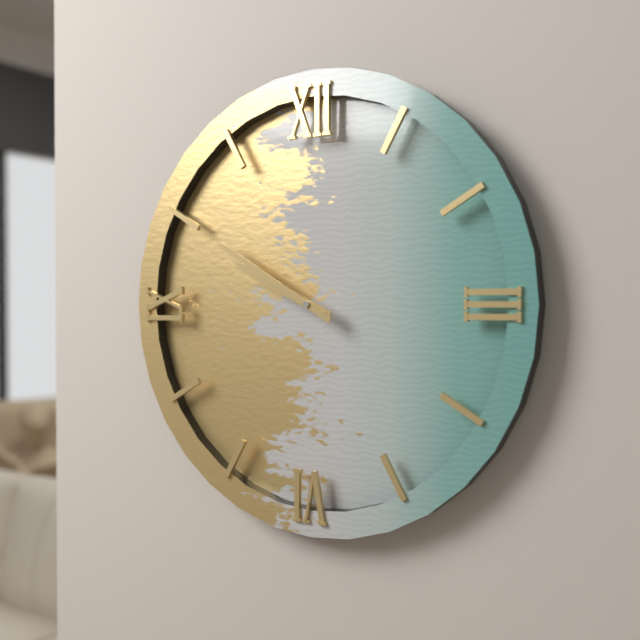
**9:50**
